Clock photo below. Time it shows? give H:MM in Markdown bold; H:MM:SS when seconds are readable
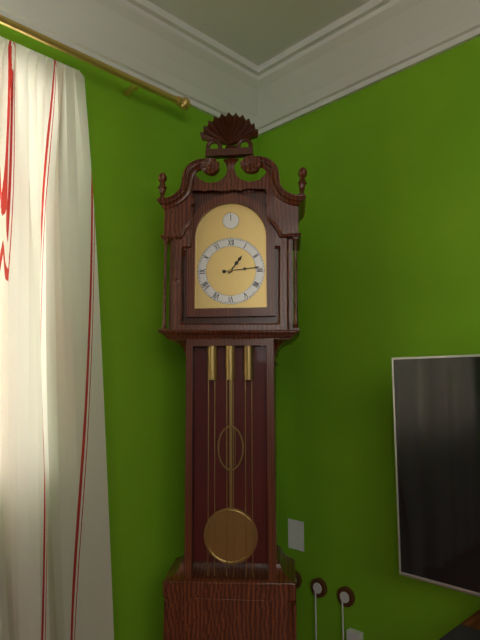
**1:14**
